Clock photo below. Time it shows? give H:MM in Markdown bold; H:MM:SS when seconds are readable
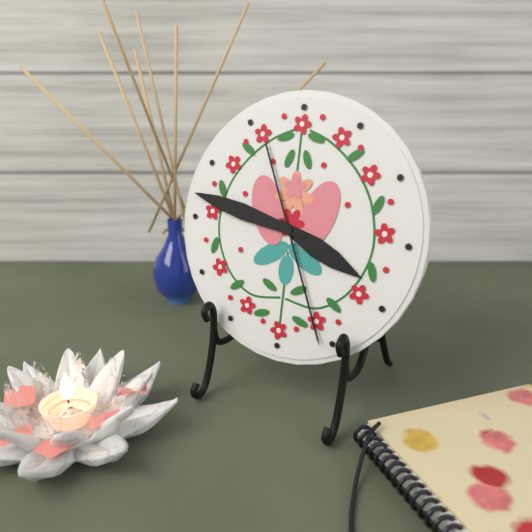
**3:47:26**
